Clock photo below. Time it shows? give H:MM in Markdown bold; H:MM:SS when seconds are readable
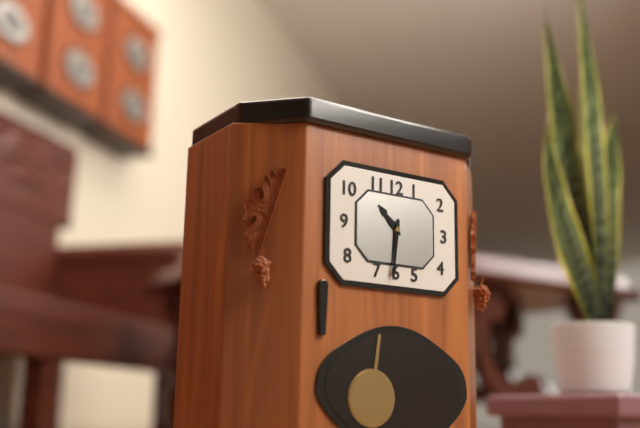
**10:31**
